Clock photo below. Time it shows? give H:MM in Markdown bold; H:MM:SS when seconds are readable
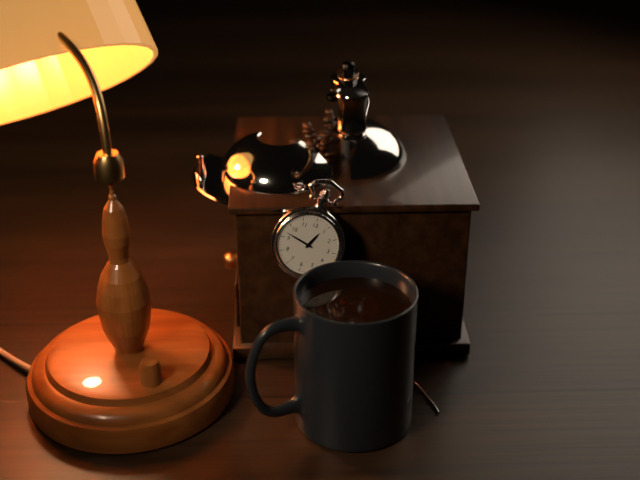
**12:47**
